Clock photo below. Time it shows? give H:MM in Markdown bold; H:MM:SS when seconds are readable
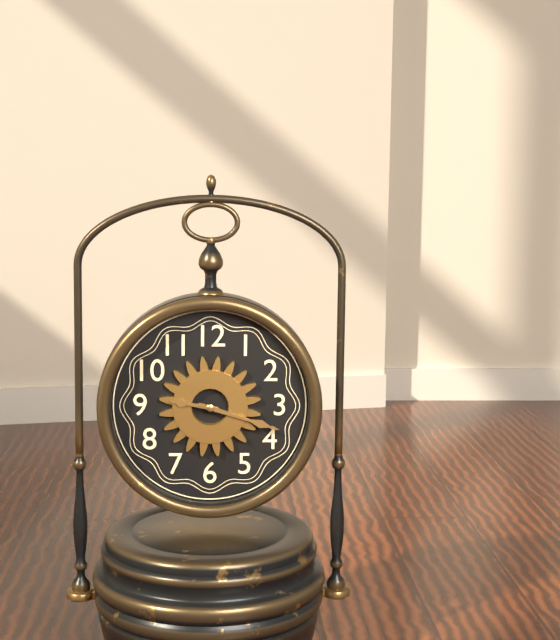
**9:18**
